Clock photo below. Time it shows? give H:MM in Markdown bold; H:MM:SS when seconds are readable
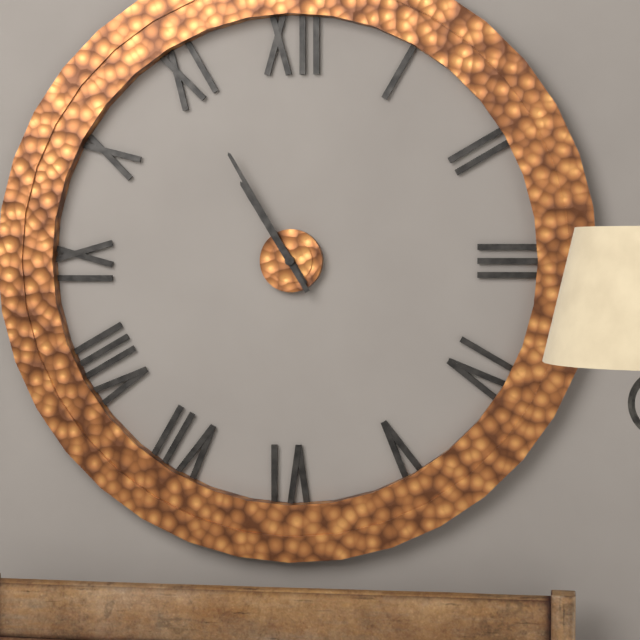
**10:55**
